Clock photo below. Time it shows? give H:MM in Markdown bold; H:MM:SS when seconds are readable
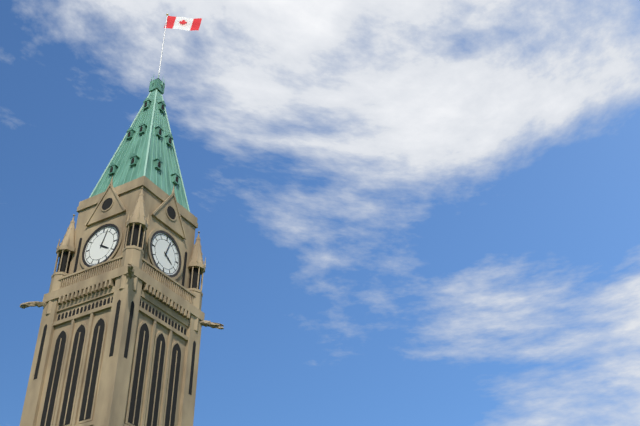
**4:03**
